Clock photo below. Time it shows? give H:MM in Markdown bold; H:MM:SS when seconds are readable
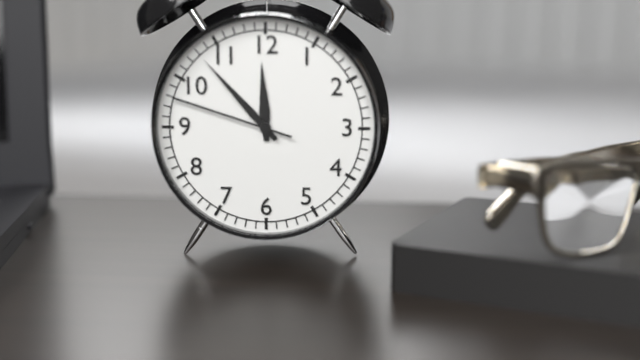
**11:53:48**
